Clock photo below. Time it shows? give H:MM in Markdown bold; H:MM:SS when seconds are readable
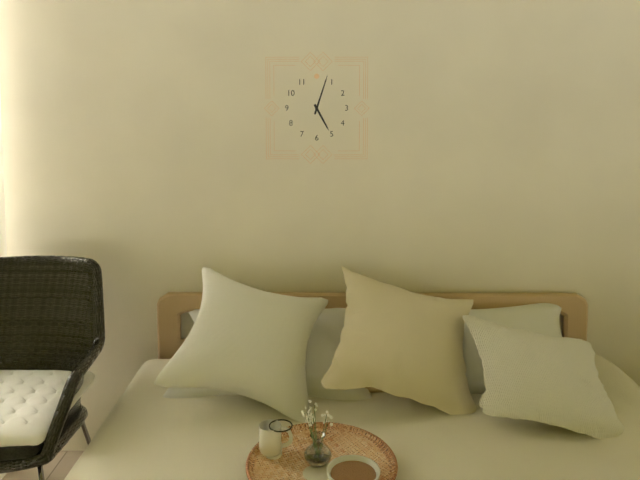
**5:03**
